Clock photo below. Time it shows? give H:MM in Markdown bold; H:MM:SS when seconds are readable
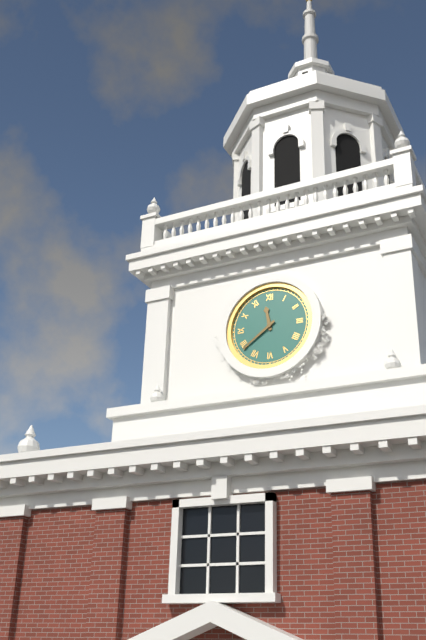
**11:39**
